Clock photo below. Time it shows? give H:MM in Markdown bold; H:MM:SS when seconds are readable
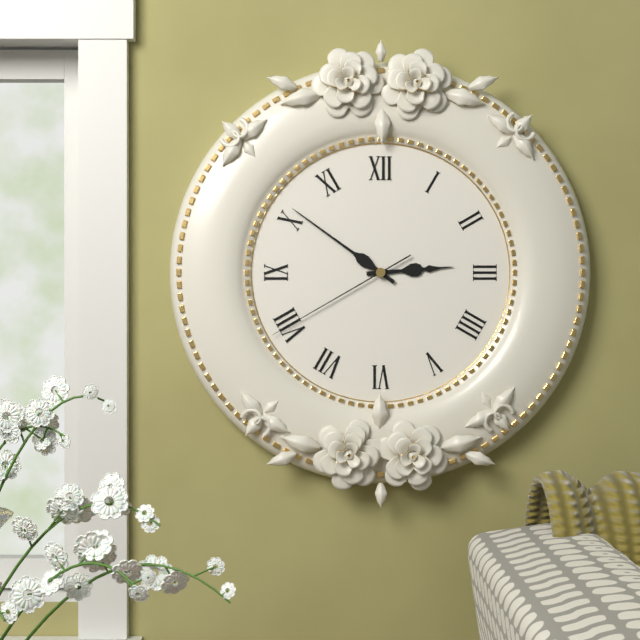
**2:51:40**
